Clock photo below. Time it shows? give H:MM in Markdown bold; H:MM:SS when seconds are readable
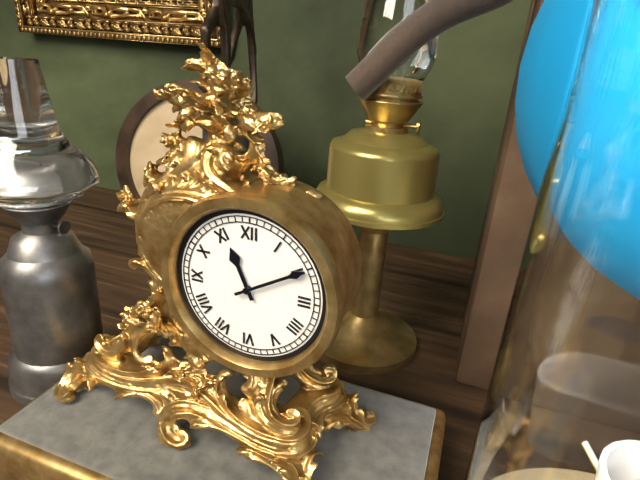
**11:10**
